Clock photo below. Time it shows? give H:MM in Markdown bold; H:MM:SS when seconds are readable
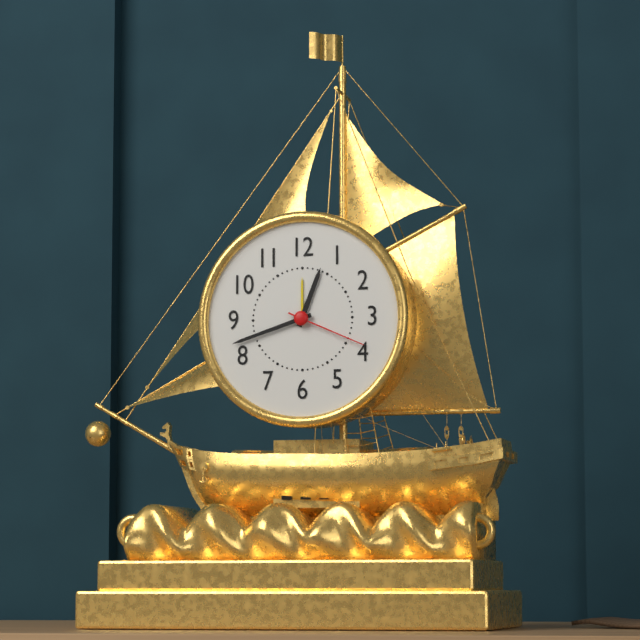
**12:42:19**
